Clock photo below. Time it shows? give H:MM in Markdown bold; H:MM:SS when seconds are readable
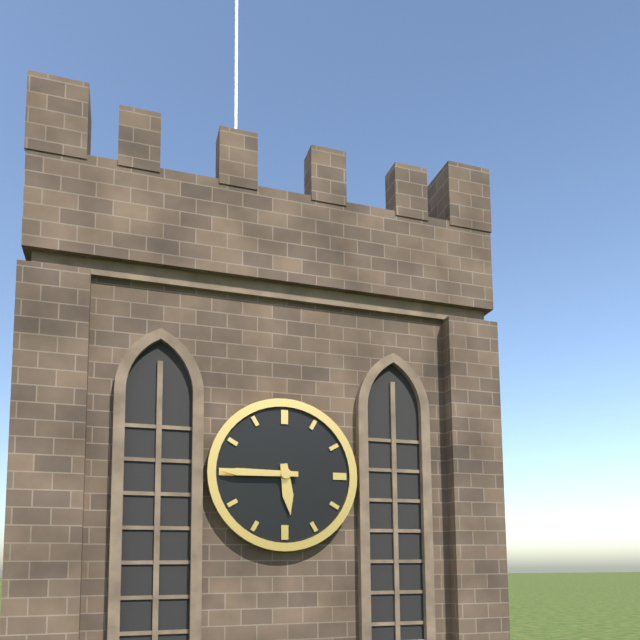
**5:45**
